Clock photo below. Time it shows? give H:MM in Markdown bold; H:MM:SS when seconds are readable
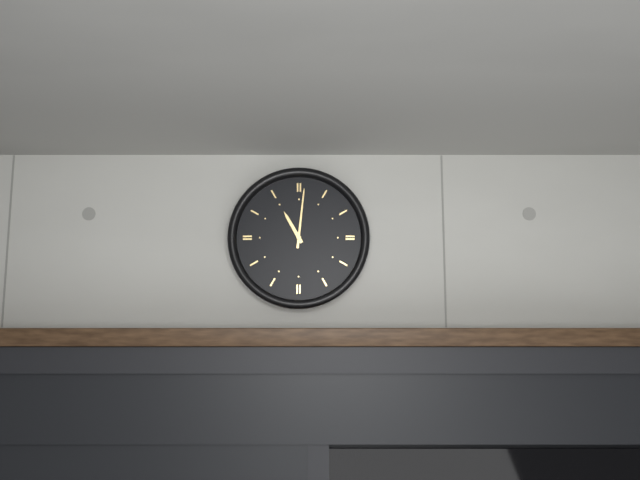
**11:01**
